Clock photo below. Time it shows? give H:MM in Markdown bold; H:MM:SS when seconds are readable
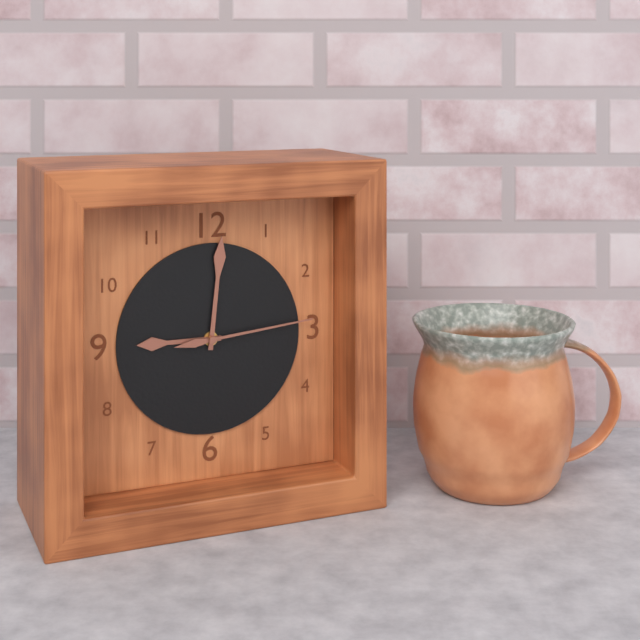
**9:01:14**
